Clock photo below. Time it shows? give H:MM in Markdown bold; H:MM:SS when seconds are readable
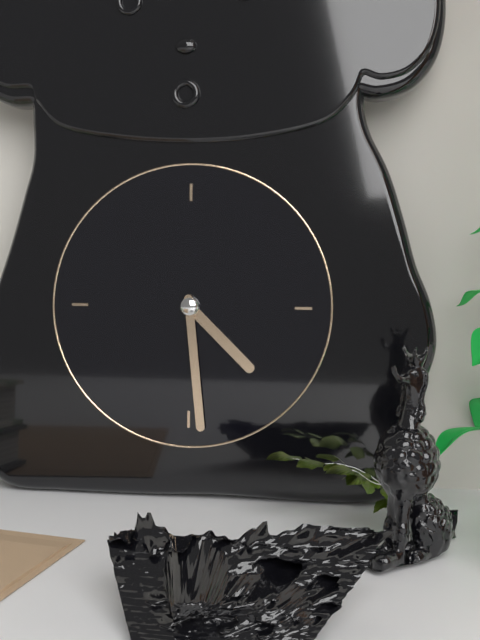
**4:29**
